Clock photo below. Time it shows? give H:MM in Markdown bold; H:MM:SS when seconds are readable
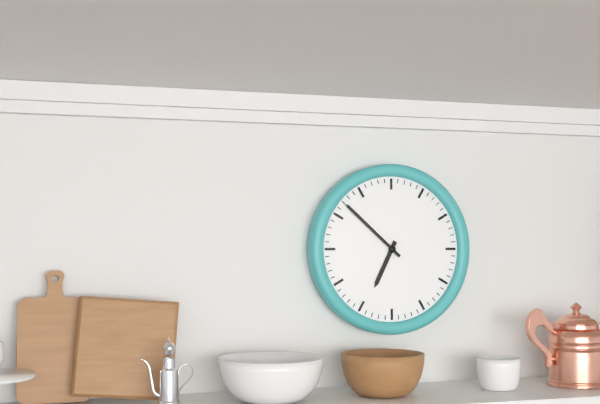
**6:52**
